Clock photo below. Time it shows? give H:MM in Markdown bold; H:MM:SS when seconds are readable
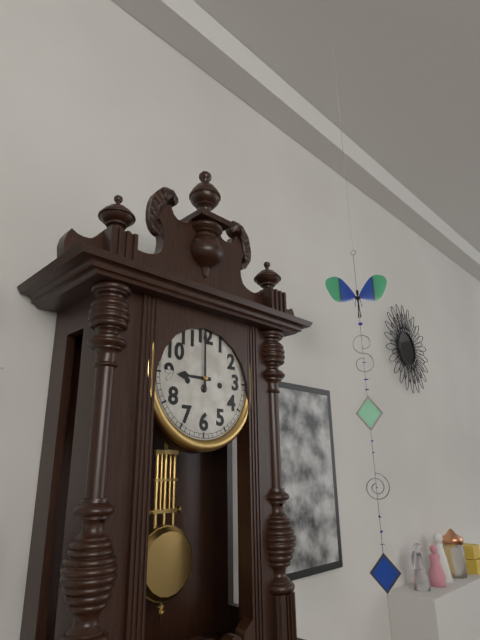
**9:00**
